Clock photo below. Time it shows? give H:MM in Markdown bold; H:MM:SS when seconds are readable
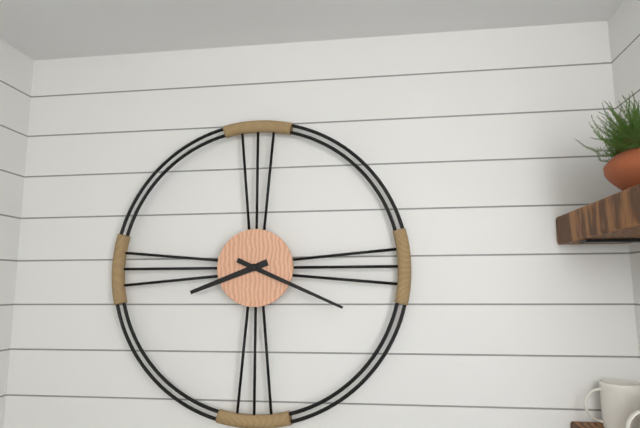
**8:19**
